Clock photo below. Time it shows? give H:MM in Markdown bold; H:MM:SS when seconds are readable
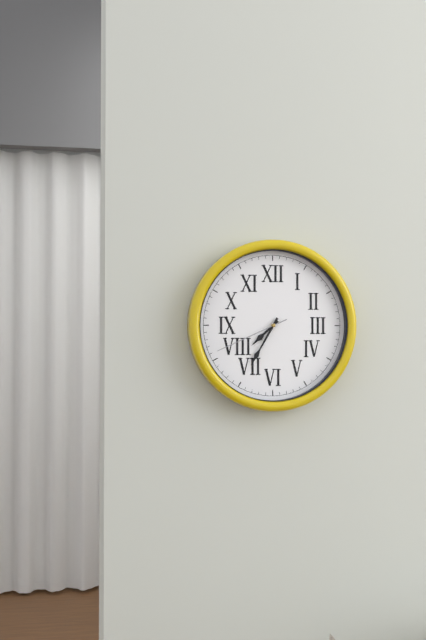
**7:35:41**
